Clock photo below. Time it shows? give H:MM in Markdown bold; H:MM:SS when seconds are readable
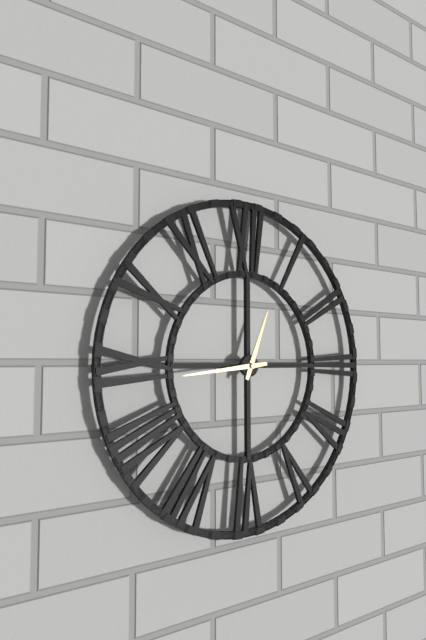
**12:44**
